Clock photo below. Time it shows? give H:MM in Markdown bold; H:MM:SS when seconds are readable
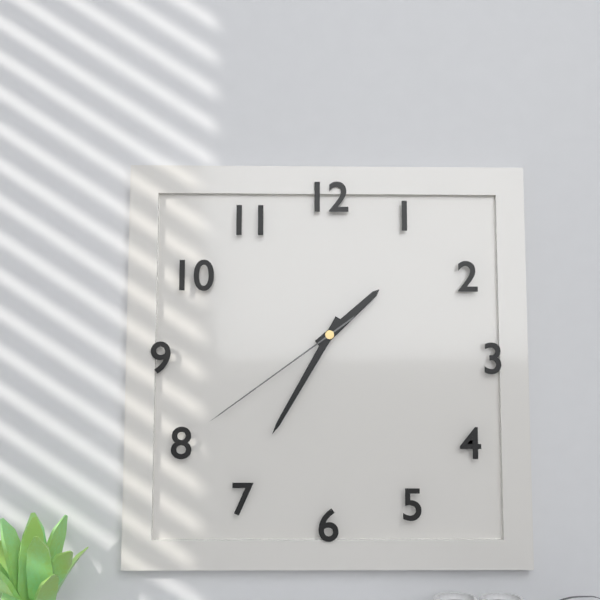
**1:35:39**
